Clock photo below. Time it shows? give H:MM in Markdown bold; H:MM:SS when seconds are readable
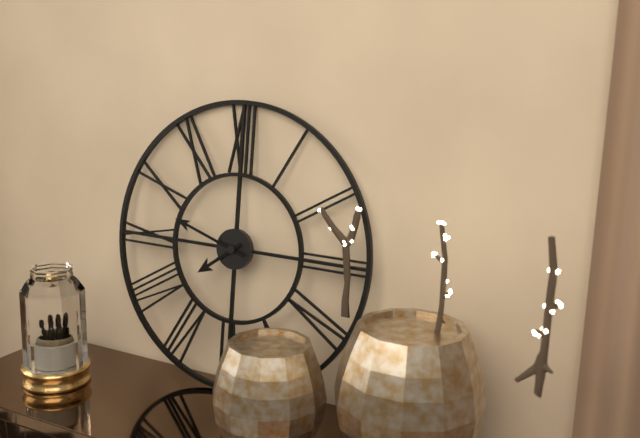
**7:48**
